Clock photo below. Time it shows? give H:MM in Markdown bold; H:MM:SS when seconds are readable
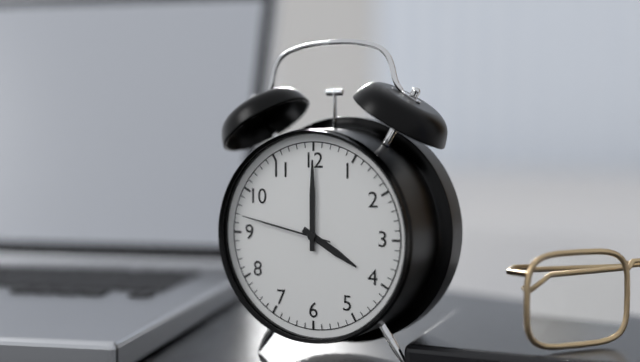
**4:00:47**
